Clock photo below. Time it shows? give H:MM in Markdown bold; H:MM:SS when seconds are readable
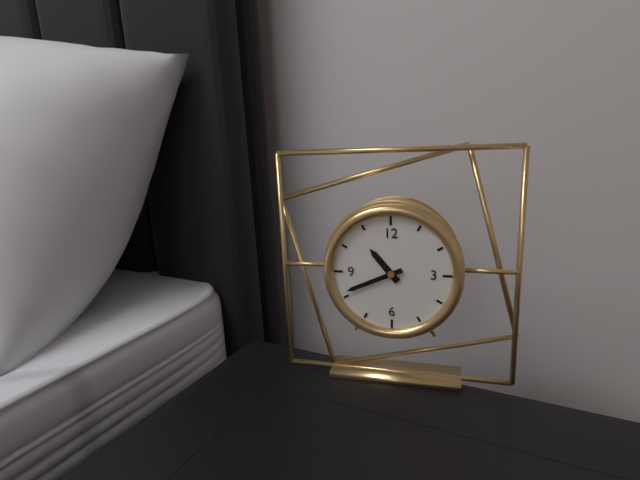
**10:41**
